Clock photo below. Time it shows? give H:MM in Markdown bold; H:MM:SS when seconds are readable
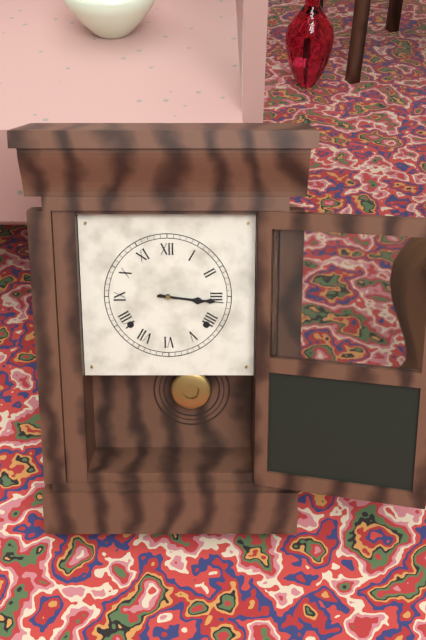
**3:16**
